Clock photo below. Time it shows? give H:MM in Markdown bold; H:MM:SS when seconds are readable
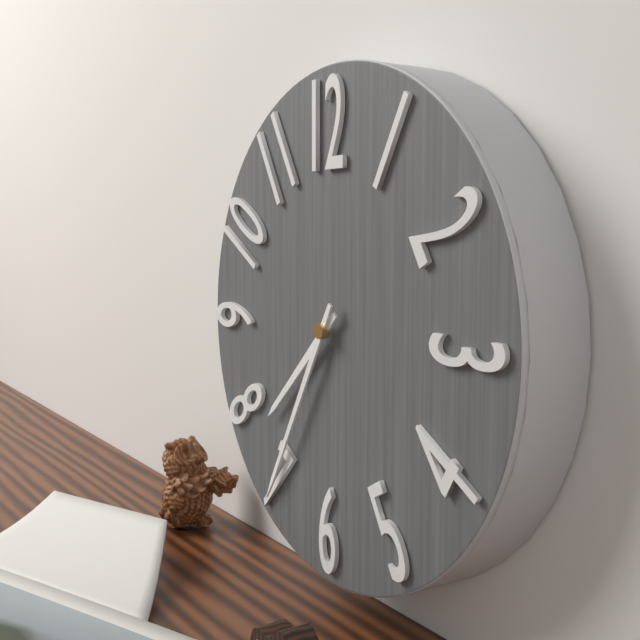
**7:35**
